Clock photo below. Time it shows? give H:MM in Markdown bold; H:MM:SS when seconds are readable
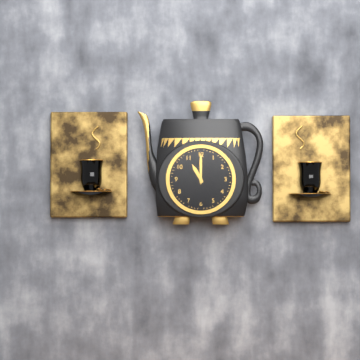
**11:00**
